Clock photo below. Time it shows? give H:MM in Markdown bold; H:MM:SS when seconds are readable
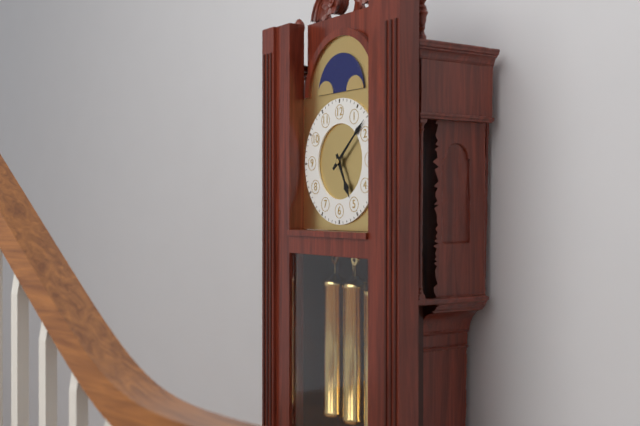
**5:08**
